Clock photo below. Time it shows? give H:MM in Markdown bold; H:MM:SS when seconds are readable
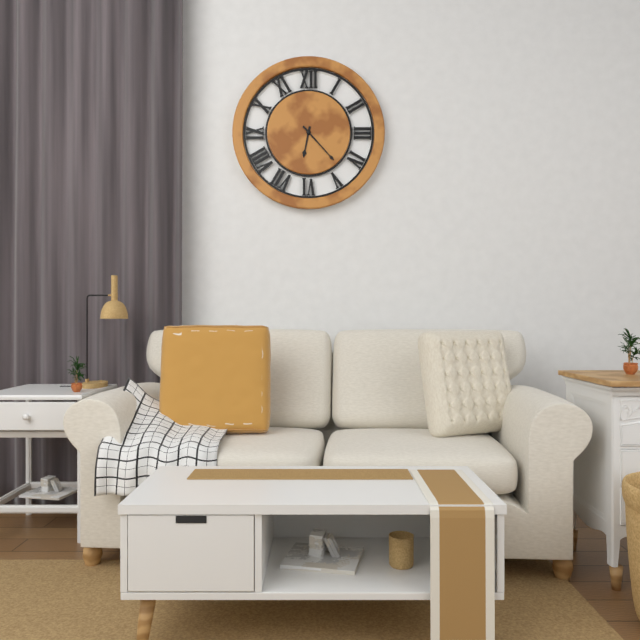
**6:23**
